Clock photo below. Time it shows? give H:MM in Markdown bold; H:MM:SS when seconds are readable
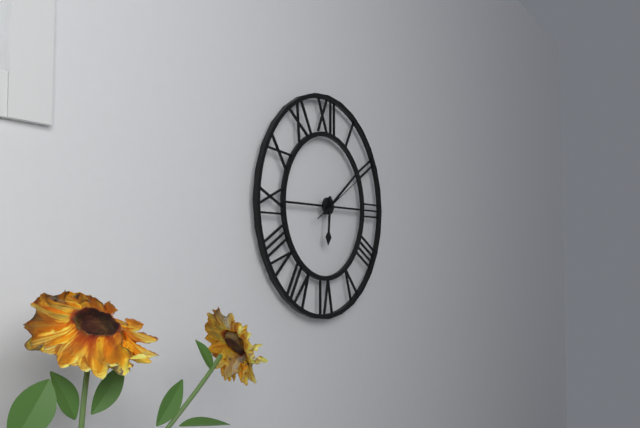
**6:09:10**
